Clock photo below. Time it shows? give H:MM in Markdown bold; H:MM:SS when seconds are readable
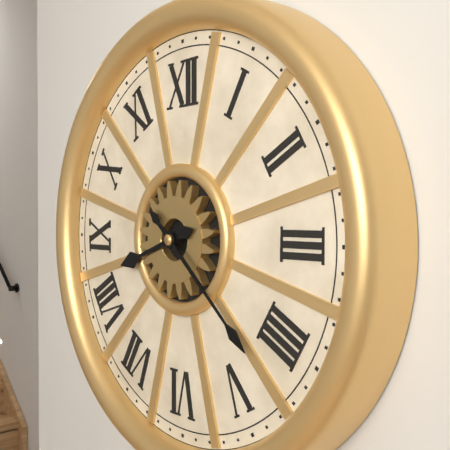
**8:22**
